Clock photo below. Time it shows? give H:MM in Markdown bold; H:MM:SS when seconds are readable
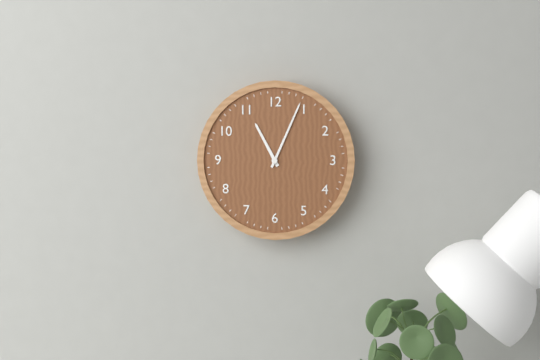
**11:04**
